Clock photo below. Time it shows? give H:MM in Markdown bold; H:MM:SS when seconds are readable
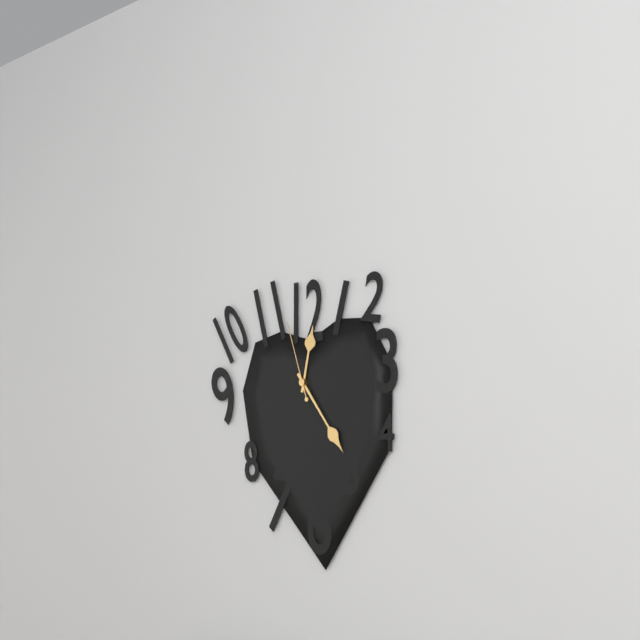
**12:24:57**
